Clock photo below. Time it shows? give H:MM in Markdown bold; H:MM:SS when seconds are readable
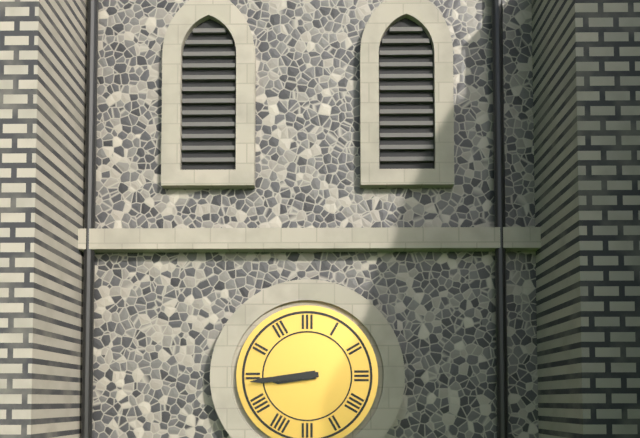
**8:44**
